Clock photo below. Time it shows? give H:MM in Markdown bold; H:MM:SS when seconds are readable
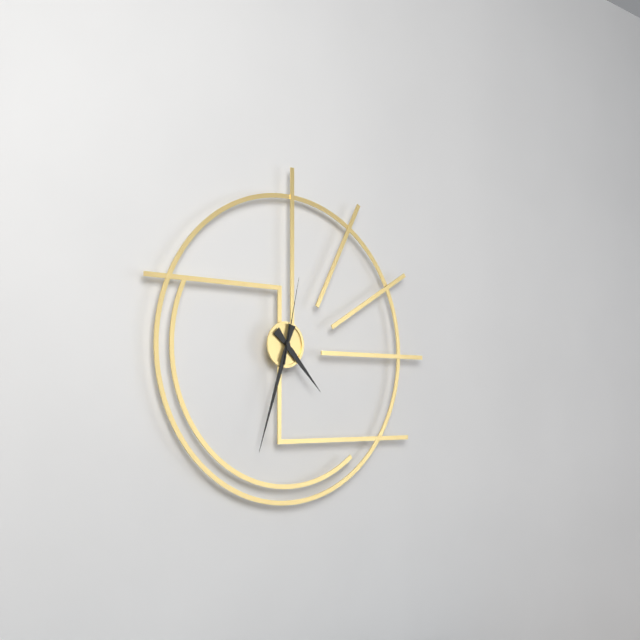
**4:33:02**
